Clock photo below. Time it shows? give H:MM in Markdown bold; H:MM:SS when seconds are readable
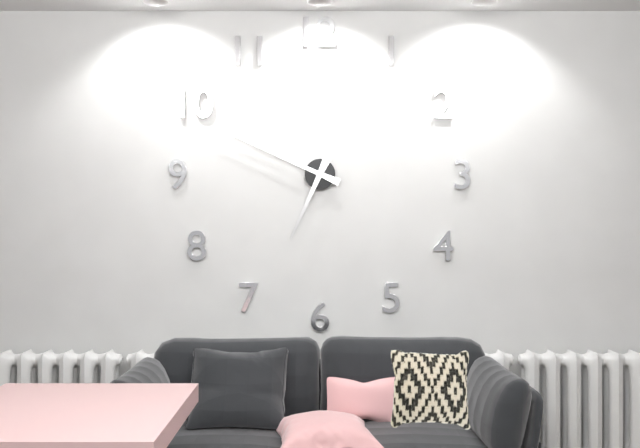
**6:49**
